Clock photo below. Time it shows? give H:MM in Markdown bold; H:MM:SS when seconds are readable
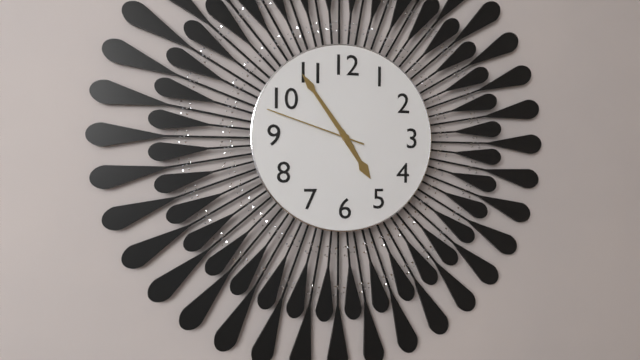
**4:54:48**
